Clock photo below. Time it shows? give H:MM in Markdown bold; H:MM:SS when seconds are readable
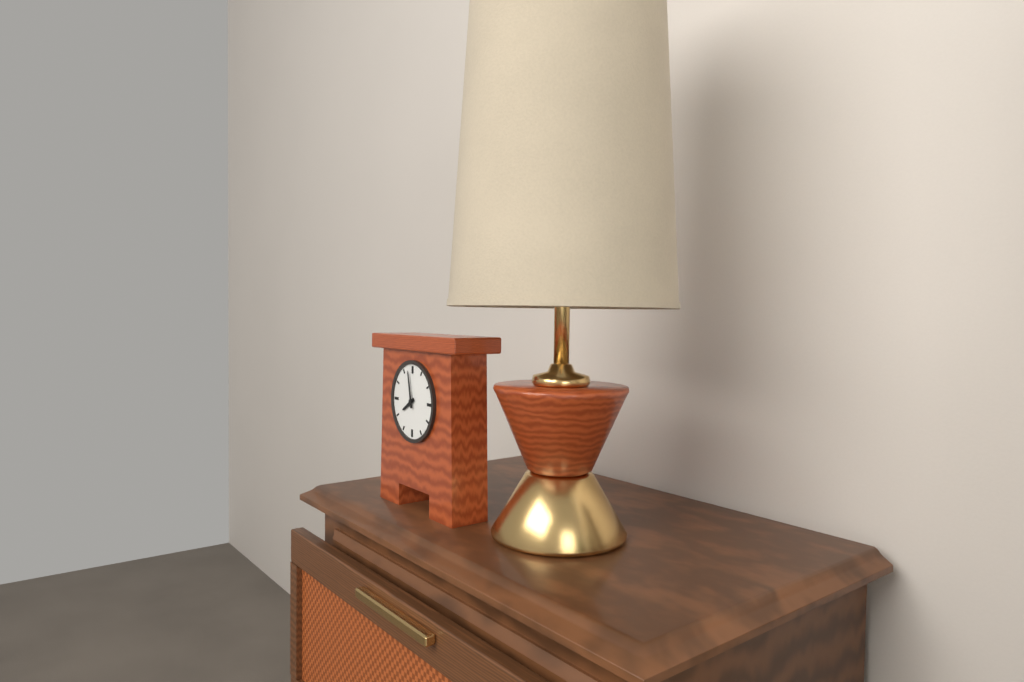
**7:58**
